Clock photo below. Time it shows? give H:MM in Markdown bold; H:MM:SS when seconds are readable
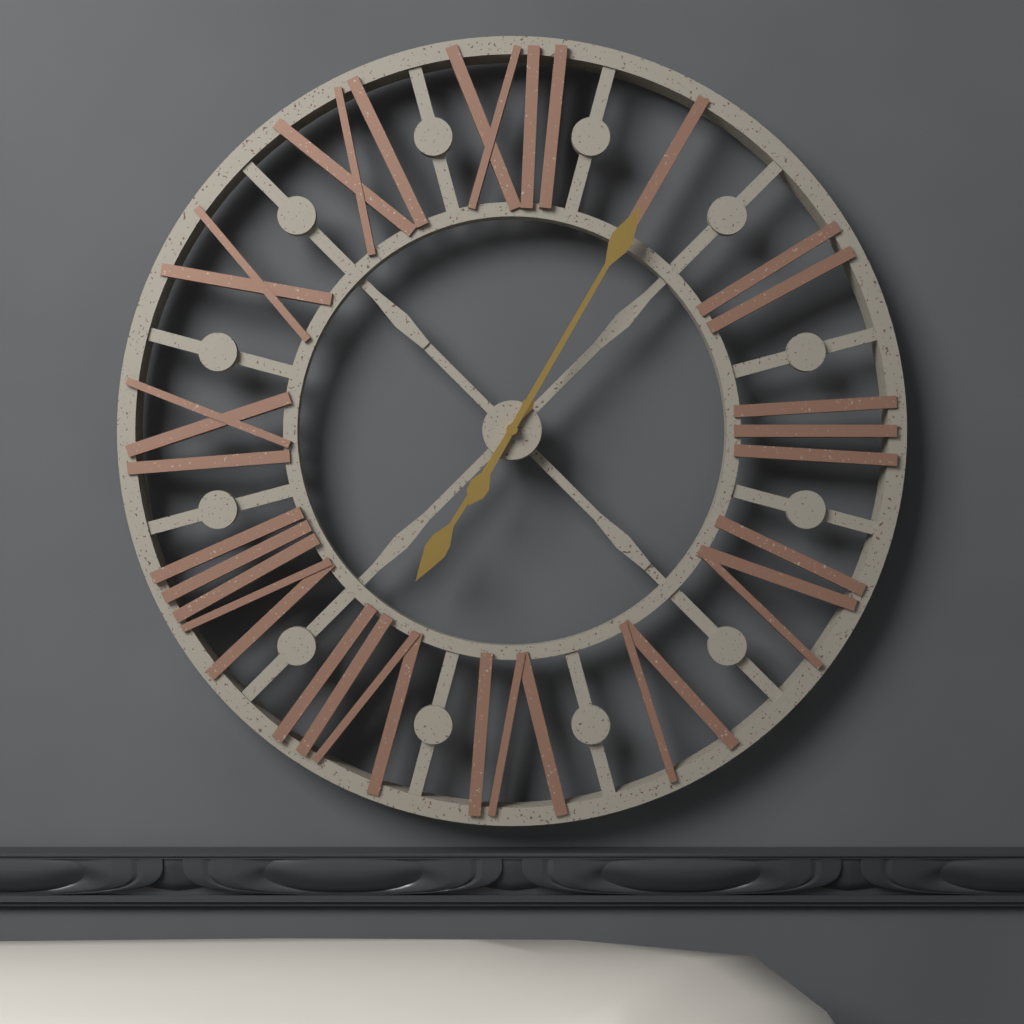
**7:05**
